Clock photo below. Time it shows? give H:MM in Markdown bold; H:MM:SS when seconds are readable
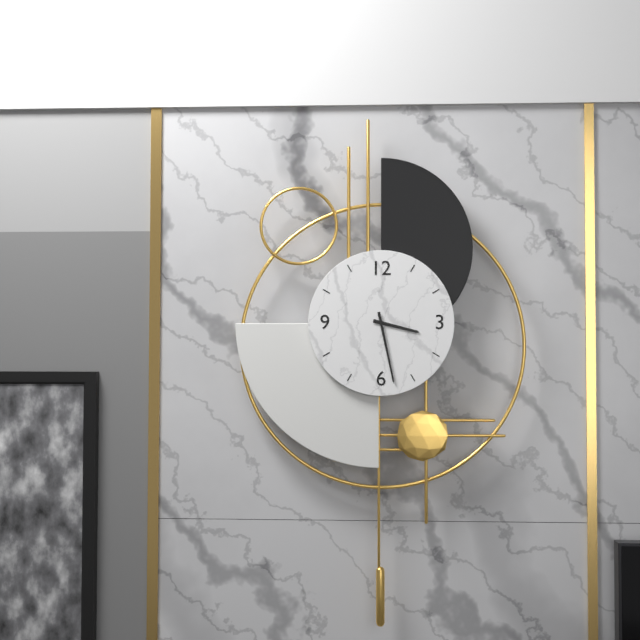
**3:28**
